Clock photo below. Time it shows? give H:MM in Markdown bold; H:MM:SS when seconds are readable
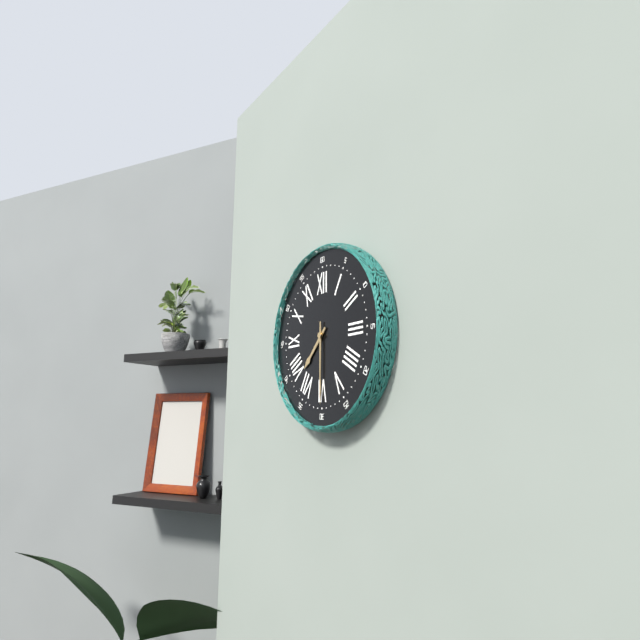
**7:30**
